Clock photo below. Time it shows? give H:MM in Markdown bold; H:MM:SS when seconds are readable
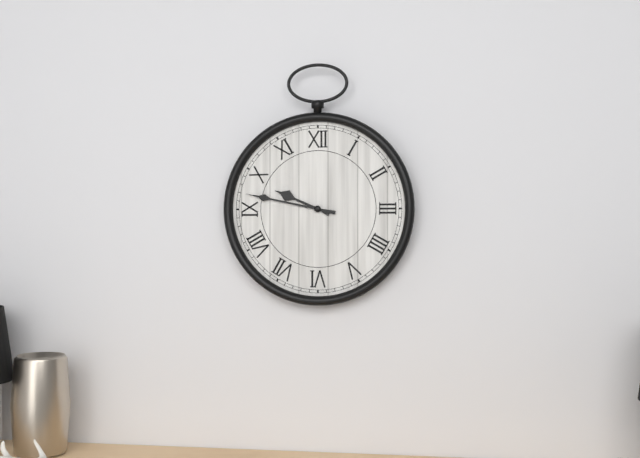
**9:47**
